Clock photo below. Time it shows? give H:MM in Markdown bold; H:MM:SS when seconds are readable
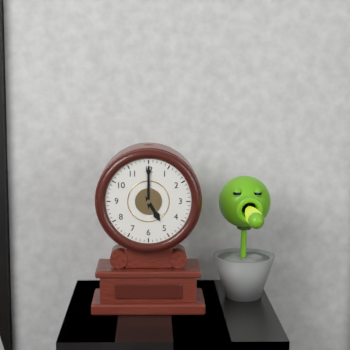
**5:00**
